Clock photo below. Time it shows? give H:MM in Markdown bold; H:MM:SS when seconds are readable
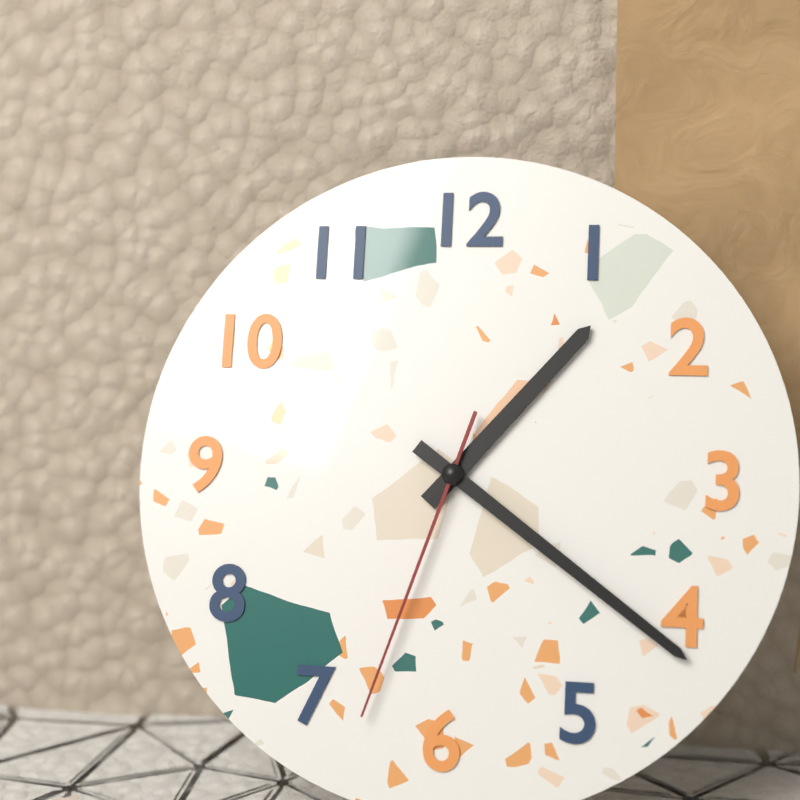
**1:21:33**
